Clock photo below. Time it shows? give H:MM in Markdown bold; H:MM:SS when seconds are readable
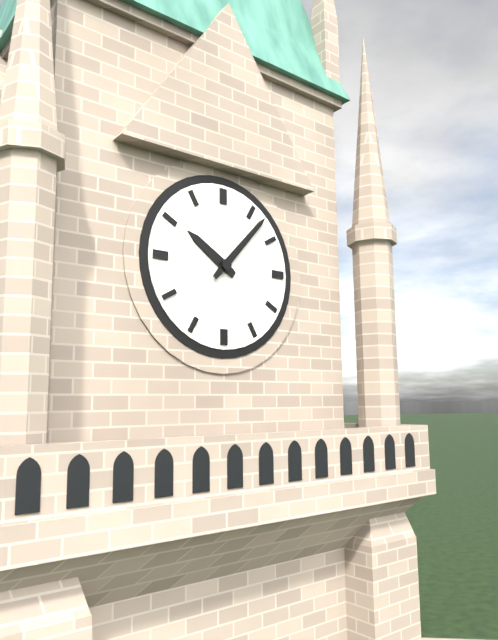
**10:07**
